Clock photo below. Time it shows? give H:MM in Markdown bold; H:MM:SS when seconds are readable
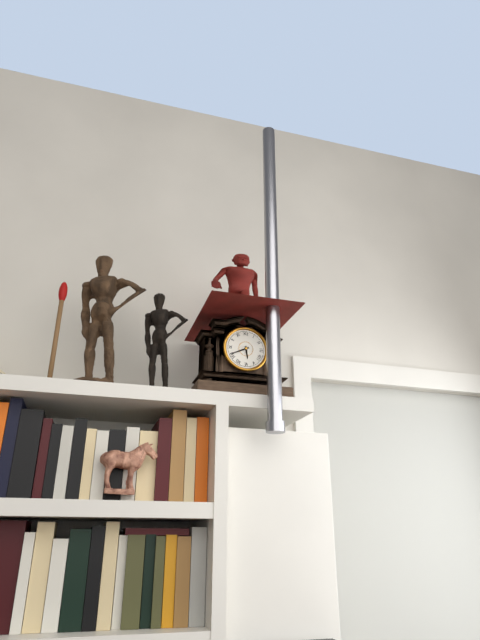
**5:41**
